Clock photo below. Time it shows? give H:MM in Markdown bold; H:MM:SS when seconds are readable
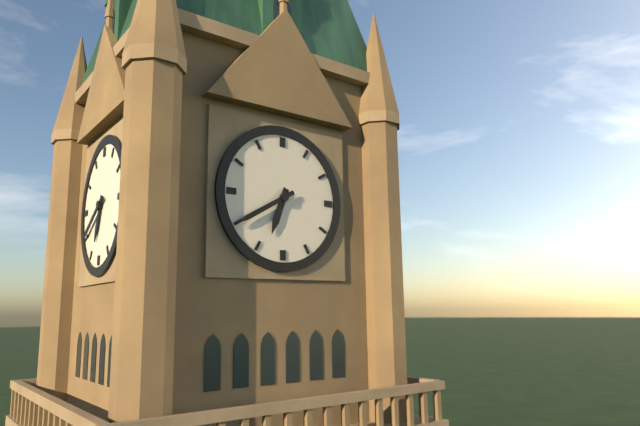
**6:40**
